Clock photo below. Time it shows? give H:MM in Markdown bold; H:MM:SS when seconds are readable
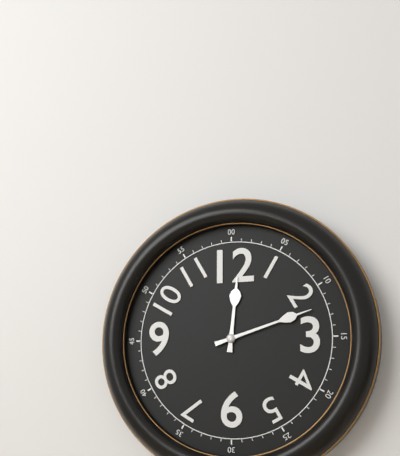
**12:12**
